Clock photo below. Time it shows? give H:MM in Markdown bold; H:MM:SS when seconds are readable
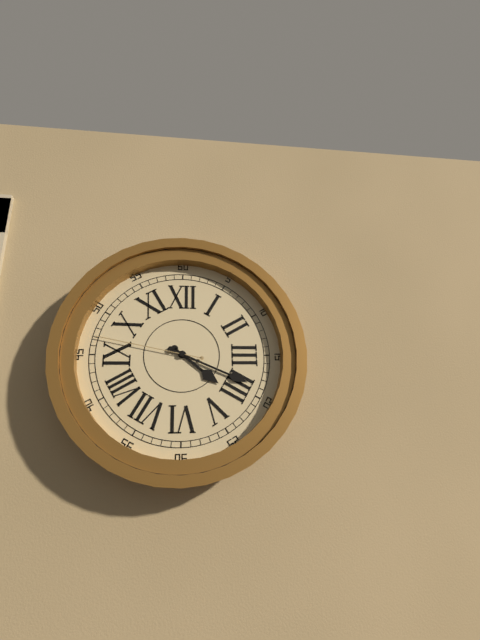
**4:19:47**
